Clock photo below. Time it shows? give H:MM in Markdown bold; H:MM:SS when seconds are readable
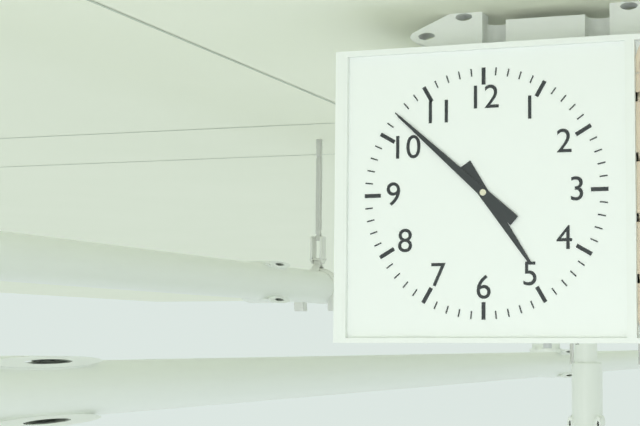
**4:52**
